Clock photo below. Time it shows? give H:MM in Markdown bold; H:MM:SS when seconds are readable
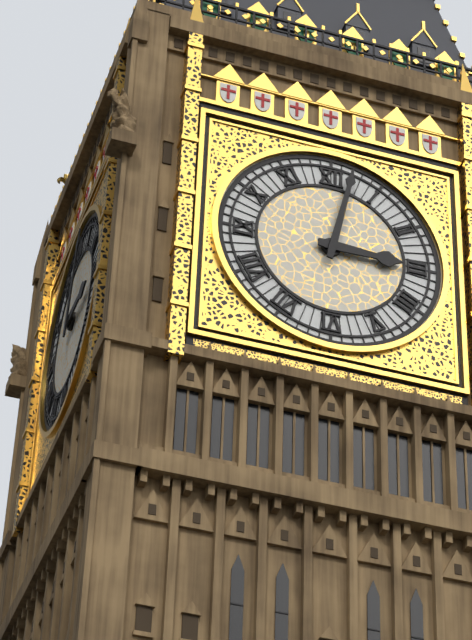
**3:02**
